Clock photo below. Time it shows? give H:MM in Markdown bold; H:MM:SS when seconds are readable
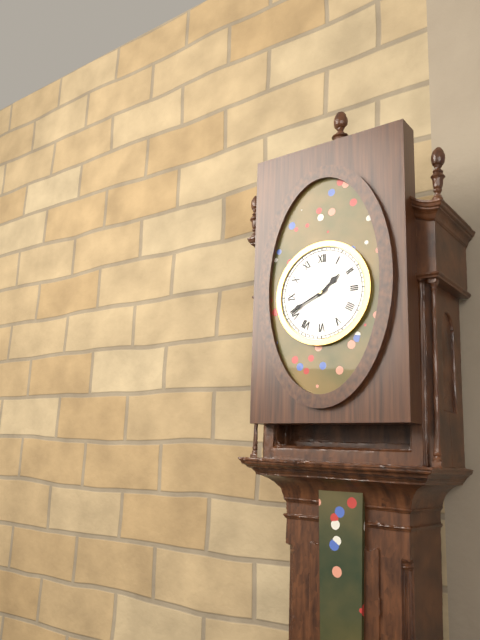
**1:41**
